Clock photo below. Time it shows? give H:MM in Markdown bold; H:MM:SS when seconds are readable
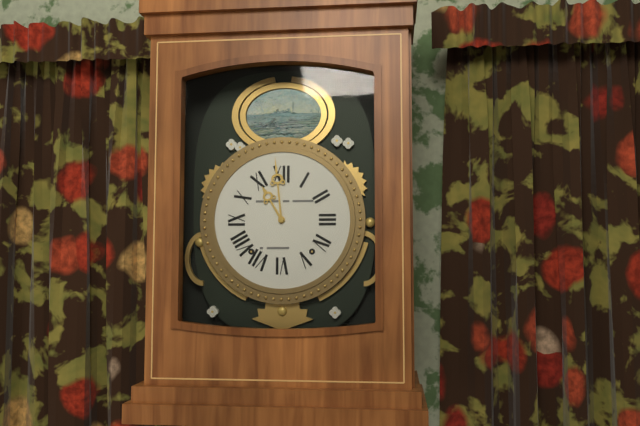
**10:59**
